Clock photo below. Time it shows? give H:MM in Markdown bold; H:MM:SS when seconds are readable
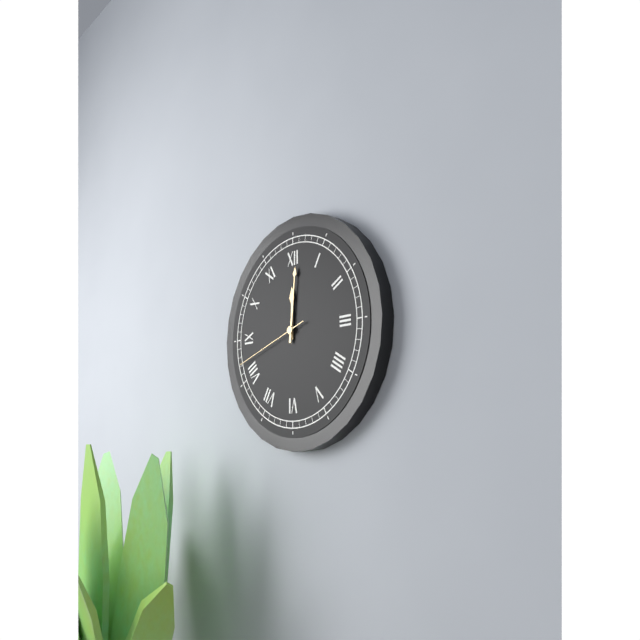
**12:01:42**
